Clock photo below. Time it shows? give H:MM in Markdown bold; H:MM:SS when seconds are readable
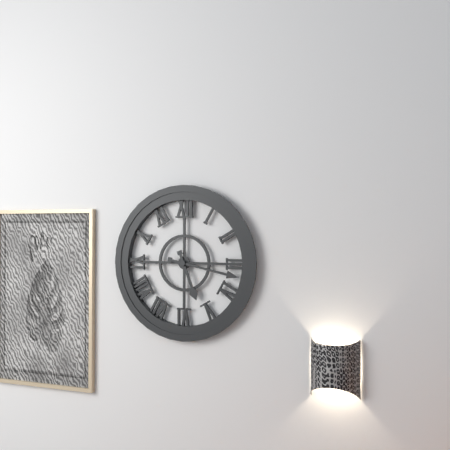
**5:17**
